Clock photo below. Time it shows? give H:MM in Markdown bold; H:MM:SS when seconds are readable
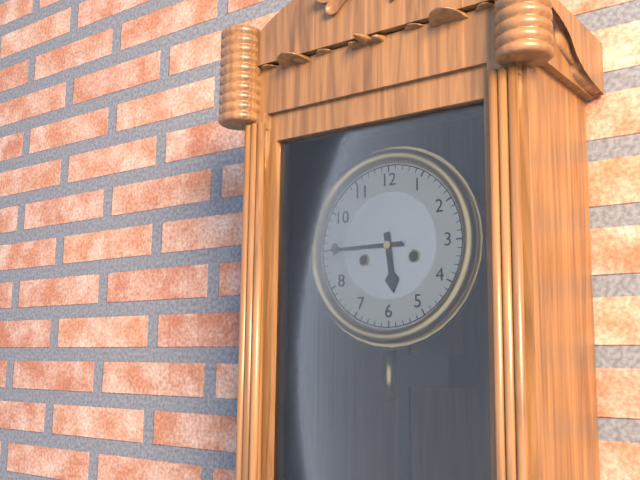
**5:45**
